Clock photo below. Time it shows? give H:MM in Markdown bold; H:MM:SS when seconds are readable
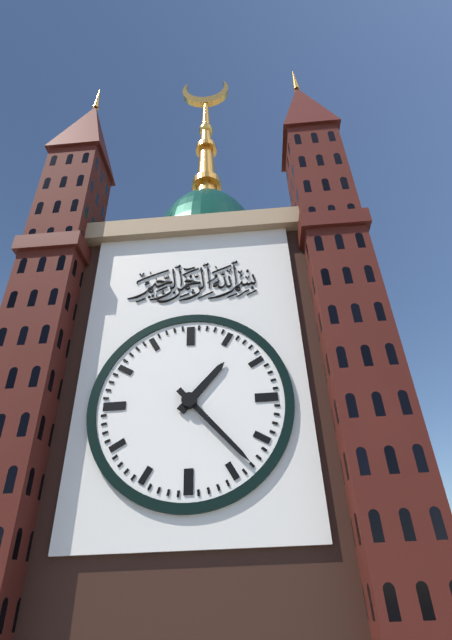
**1:23**
